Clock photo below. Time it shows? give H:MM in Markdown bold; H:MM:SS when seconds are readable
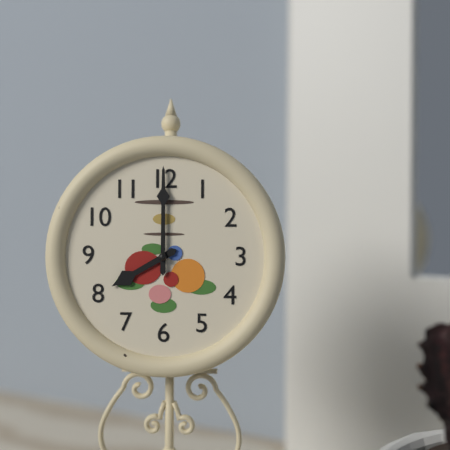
**8:00**
